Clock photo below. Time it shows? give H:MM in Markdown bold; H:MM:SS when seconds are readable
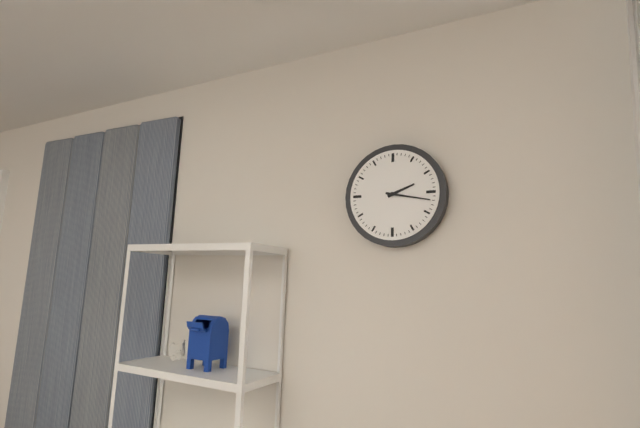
**2:17**
